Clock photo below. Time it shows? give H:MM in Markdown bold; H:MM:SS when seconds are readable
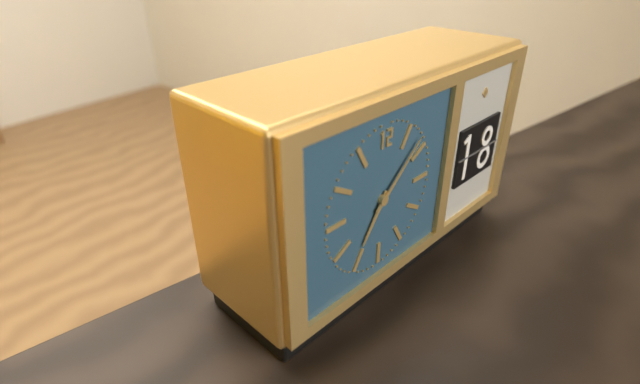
**7:08**
